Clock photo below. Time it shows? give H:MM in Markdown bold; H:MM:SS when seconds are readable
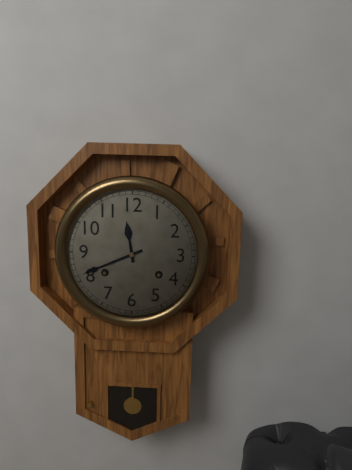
**11:41**
